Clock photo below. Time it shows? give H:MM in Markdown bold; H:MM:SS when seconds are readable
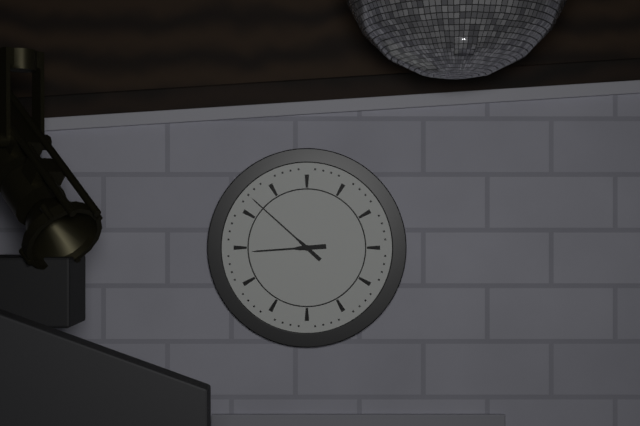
**8:52**
